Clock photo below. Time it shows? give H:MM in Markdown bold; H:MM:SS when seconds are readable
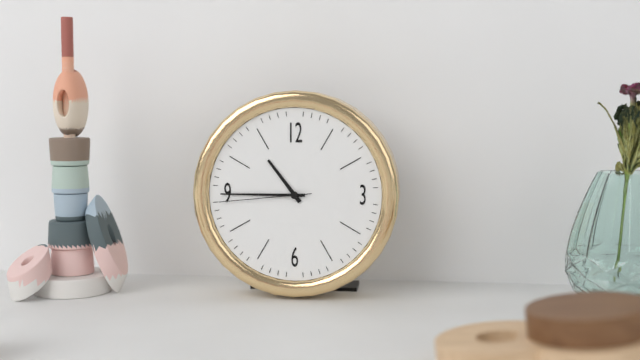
**10:45:44**
